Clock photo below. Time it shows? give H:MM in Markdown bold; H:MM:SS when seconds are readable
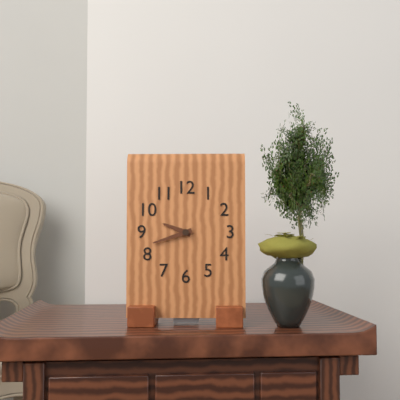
**9:42**
